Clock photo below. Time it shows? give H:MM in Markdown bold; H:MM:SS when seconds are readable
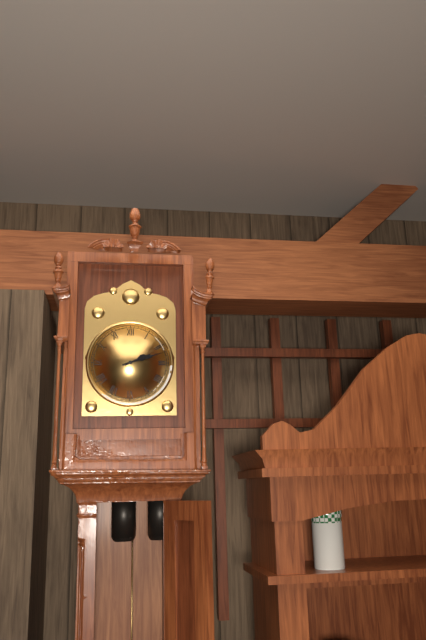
**2:12**
